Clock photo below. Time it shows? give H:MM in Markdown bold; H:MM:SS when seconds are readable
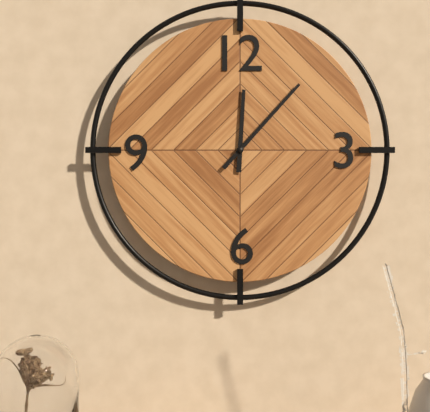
**12:07**
